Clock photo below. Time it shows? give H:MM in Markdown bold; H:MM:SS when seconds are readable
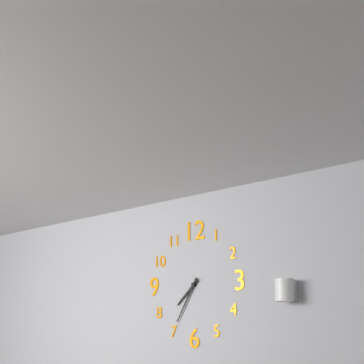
**7:35**
